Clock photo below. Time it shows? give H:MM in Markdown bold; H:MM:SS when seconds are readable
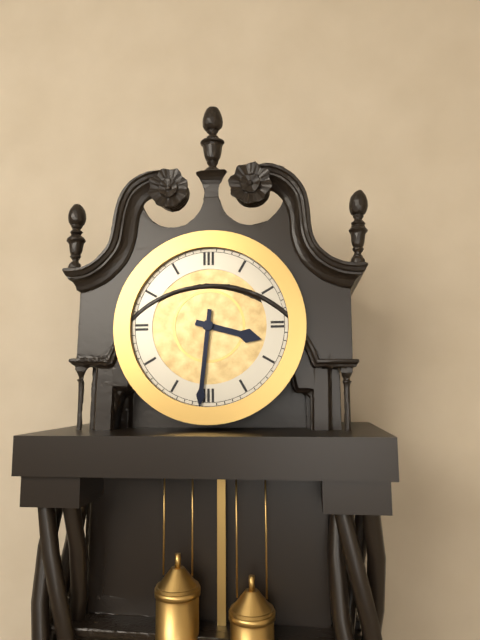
**3:31**
